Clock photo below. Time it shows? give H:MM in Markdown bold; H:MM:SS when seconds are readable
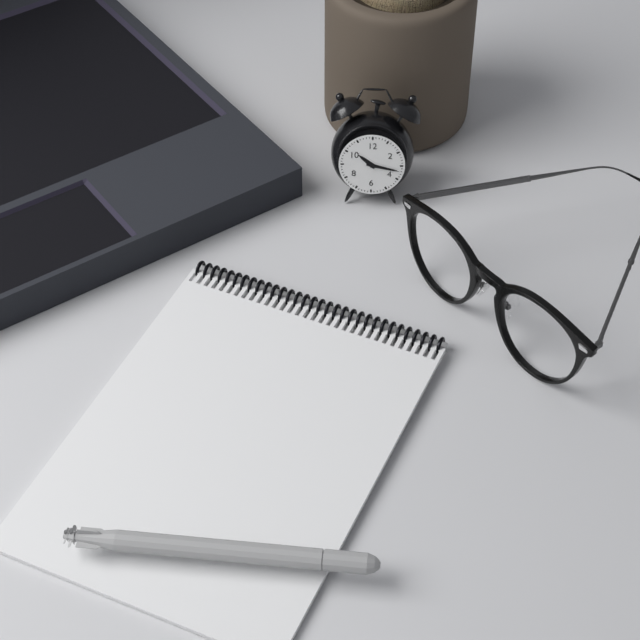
**10:17**
